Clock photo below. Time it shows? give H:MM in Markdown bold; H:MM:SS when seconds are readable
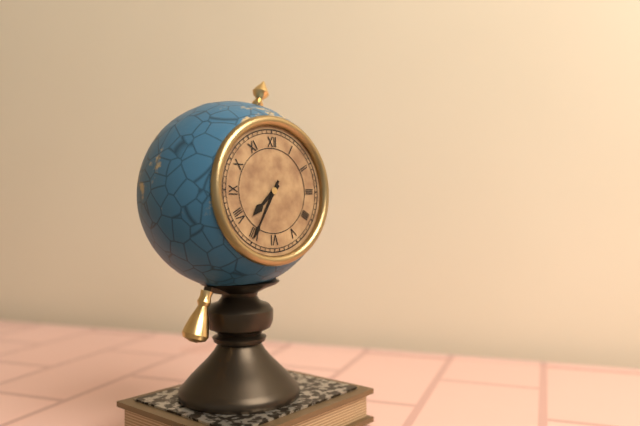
**7:35**
